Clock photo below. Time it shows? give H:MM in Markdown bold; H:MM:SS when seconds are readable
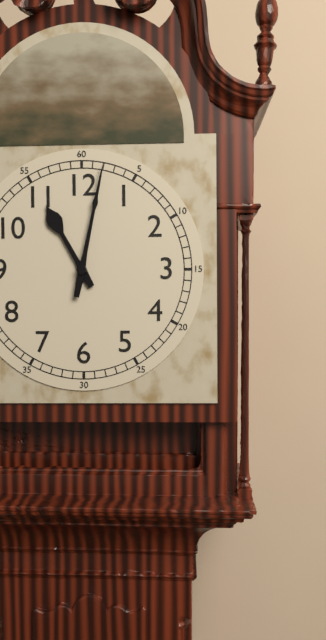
**11:02**
